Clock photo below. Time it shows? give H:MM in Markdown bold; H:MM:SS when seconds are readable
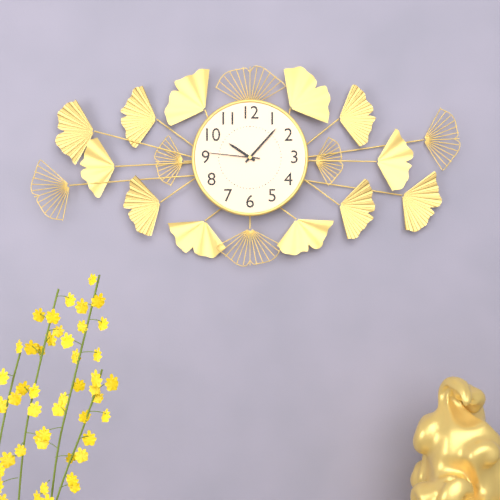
**10:07:46**
